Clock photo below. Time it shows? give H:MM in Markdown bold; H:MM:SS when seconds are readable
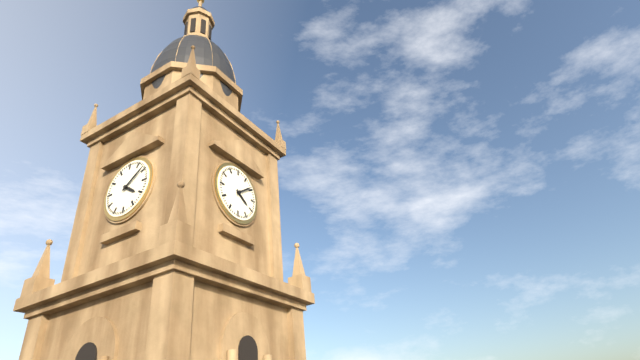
**4:09**
